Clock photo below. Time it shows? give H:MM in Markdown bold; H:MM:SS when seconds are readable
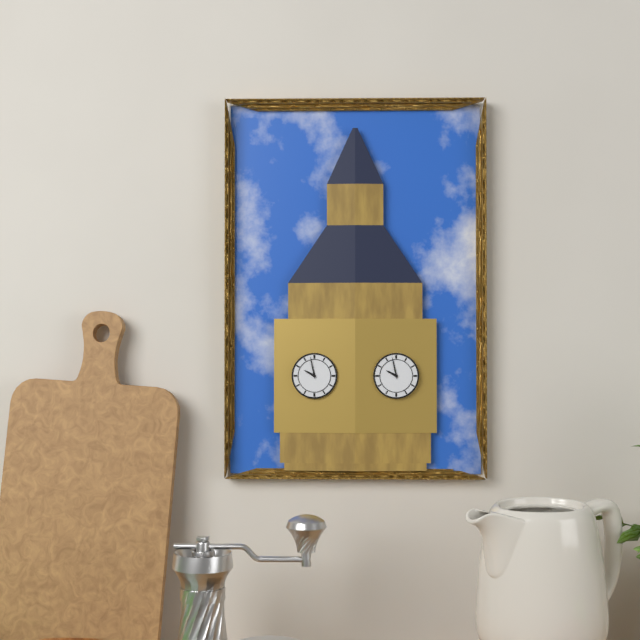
**9:58**
